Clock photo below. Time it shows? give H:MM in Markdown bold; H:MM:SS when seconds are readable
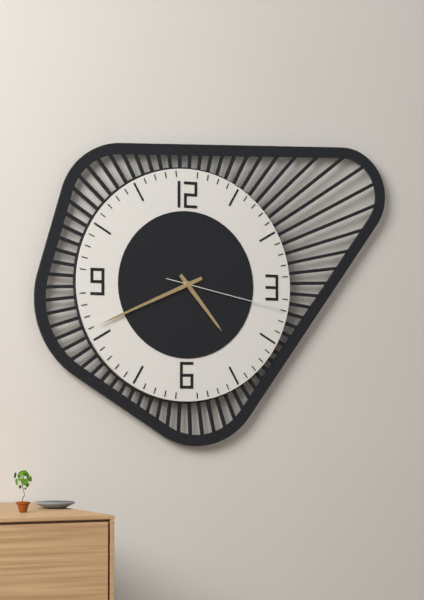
**4:41:17**
